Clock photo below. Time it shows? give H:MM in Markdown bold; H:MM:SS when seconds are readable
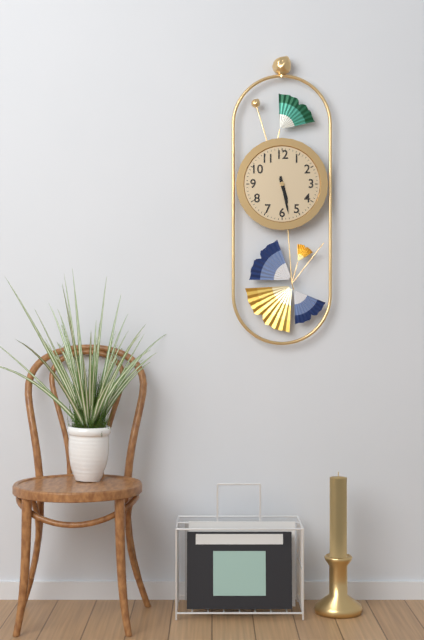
**5:28**
